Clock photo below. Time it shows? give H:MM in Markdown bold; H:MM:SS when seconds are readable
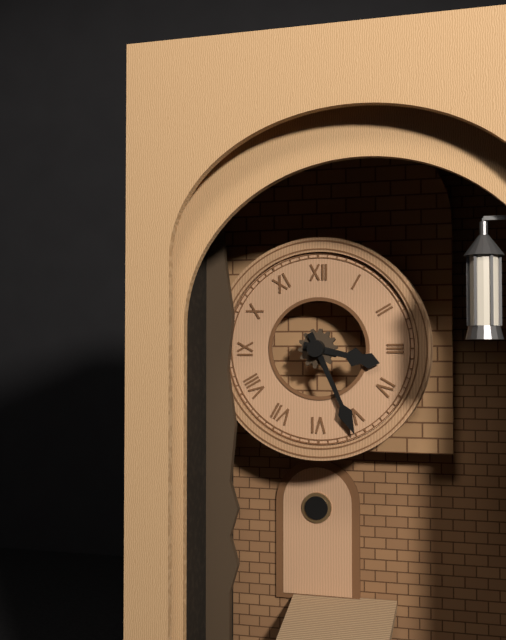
**3:26**
